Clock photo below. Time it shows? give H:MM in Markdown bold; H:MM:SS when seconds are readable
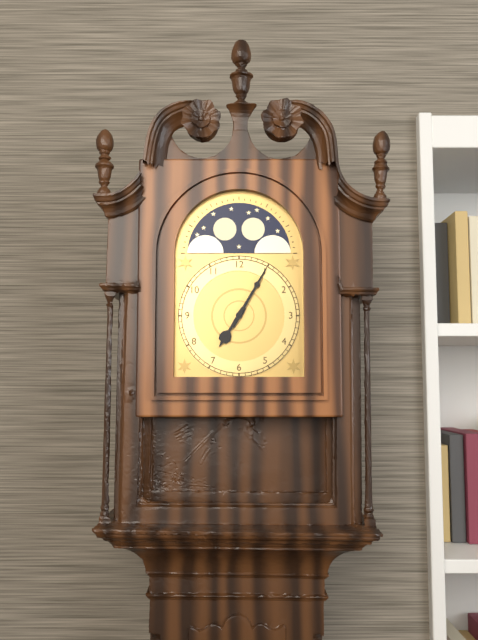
**7:05**
